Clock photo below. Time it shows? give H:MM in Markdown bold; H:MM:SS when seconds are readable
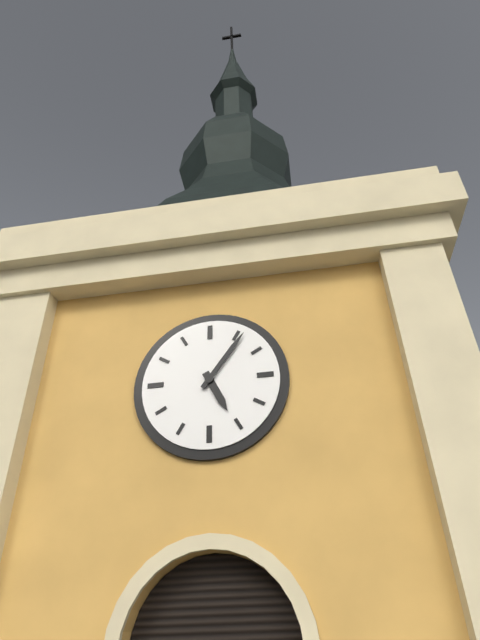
**5:06**
